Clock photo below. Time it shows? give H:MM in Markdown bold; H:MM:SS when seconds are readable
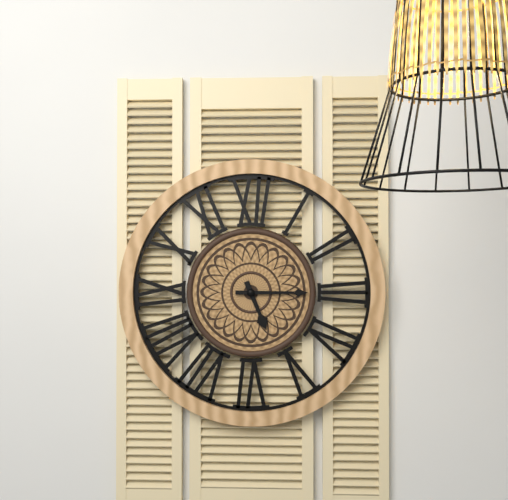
**5:15**
